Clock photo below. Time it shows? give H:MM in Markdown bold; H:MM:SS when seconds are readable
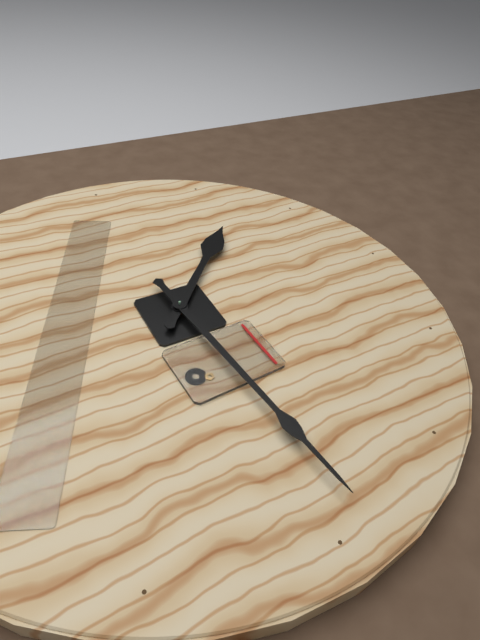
**1:29**
